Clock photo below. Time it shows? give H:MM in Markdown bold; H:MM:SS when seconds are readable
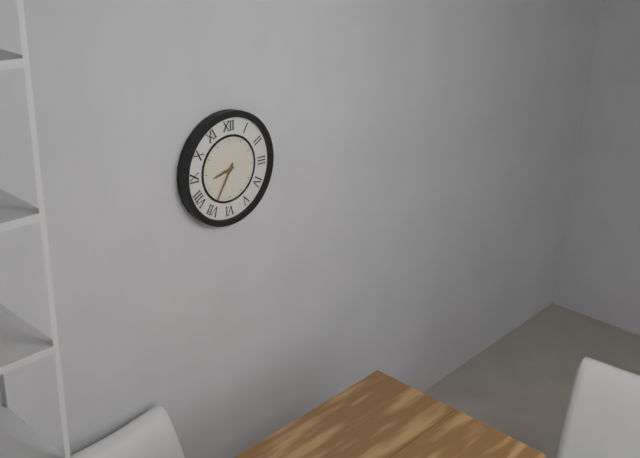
**8:35**
